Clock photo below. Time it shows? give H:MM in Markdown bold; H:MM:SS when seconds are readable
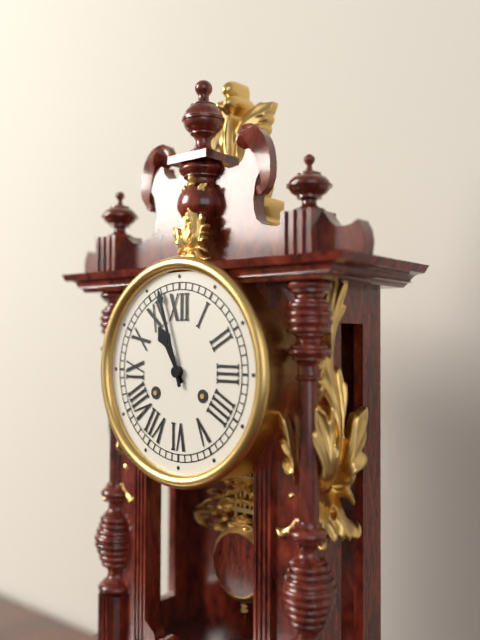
**10:57**
